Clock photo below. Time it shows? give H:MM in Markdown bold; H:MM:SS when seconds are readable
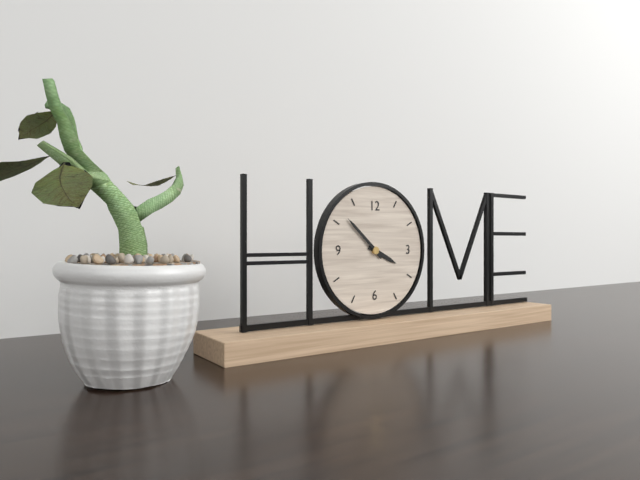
**3:52**
